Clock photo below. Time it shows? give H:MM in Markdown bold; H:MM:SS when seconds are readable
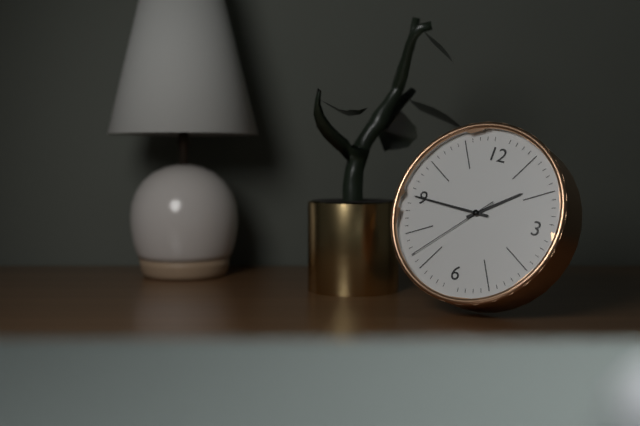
**1:45:37**
